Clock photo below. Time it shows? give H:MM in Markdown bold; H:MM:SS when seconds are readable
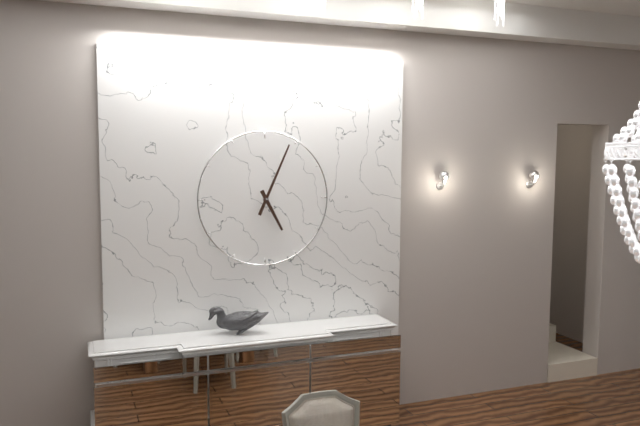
**5:04**
